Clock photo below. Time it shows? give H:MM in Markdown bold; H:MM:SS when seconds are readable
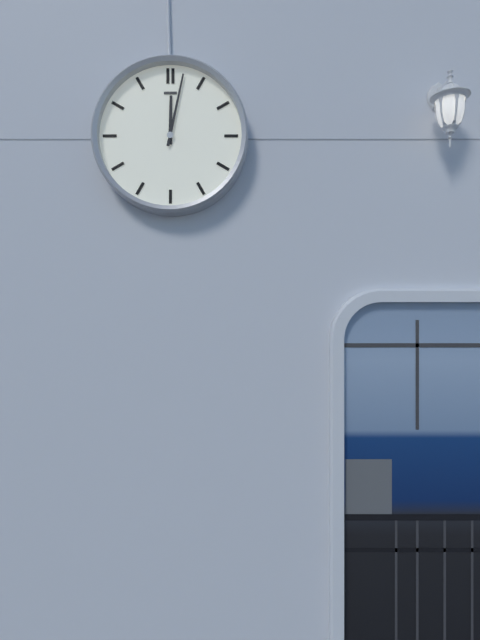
**12:02**
